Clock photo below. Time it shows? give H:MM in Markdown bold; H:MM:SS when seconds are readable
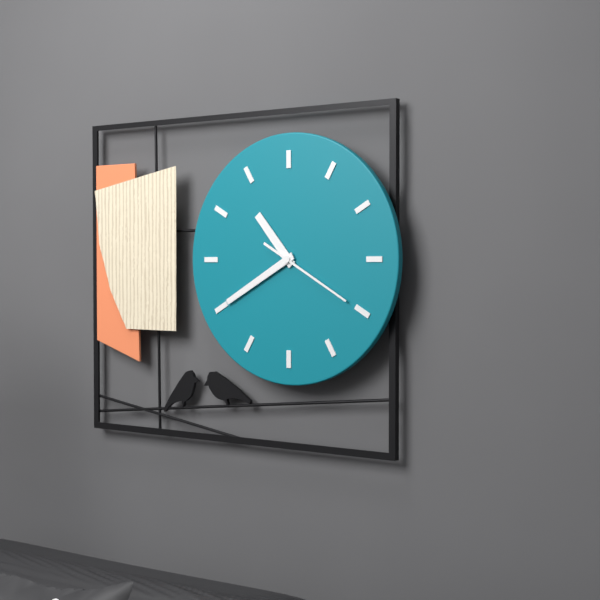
**10:40:20**
